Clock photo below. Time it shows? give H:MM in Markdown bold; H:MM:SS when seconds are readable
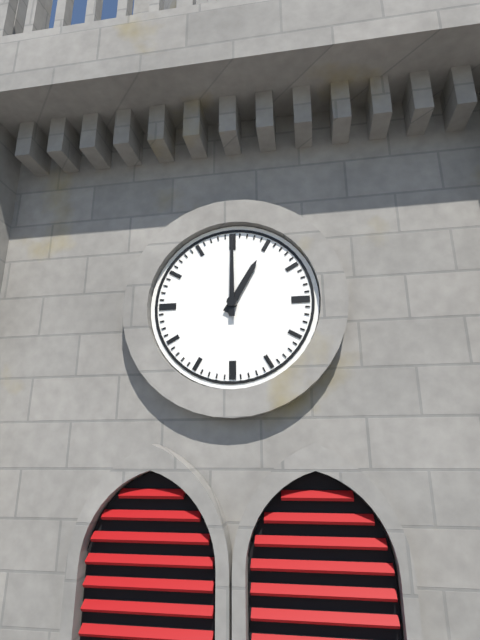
**1:00**
